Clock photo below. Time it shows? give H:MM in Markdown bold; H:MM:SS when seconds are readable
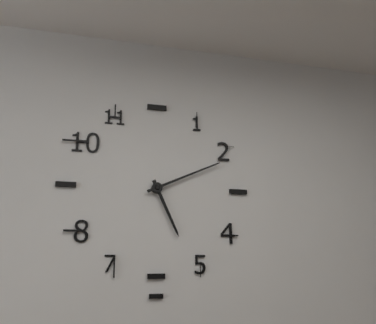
**5:11**
